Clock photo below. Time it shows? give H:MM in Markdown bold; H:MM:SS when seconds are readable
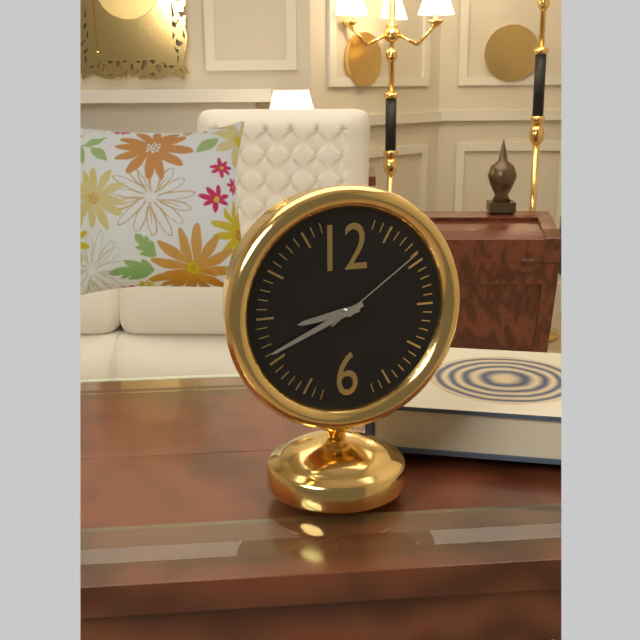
**8:41:09**
